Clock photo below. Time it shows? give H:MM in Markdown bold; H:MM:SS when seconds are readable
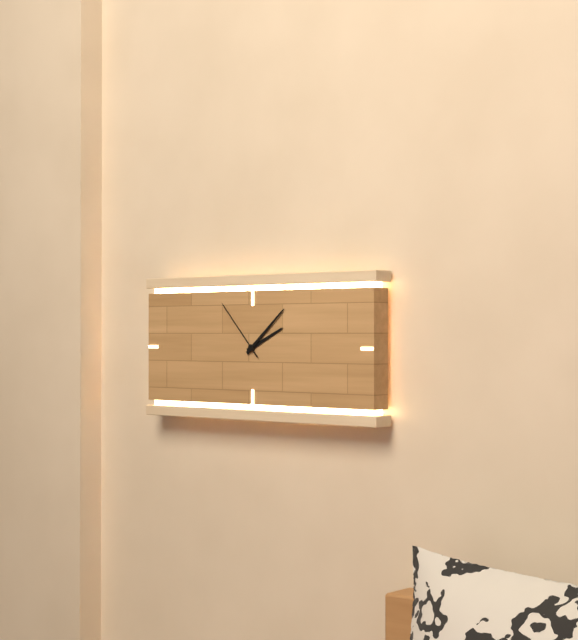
**2:08:53**
